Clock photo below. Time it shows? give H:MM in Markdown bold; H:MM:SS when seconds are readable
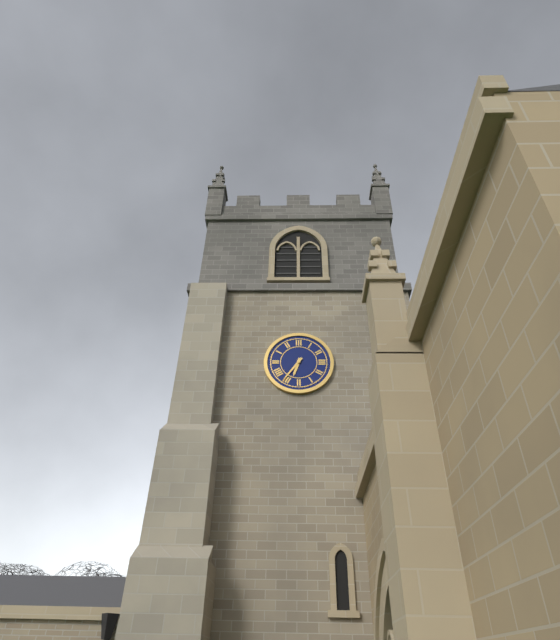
**6:36**
